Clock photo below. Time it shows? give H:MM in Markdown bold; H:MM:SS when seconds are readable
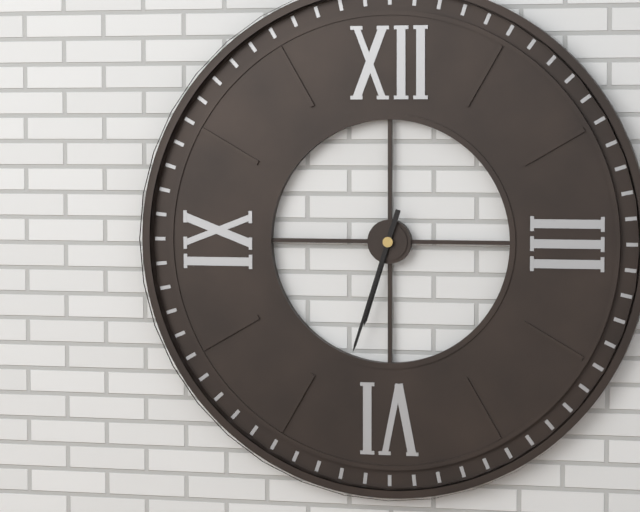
**6:33**
